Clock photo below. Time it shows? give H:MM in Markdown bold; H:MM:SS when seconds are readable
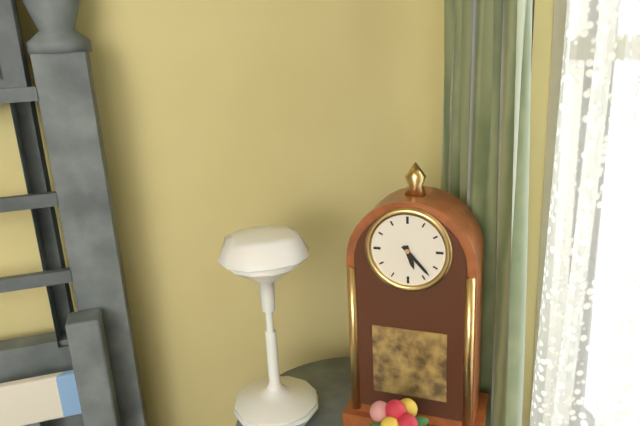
**5:23**
